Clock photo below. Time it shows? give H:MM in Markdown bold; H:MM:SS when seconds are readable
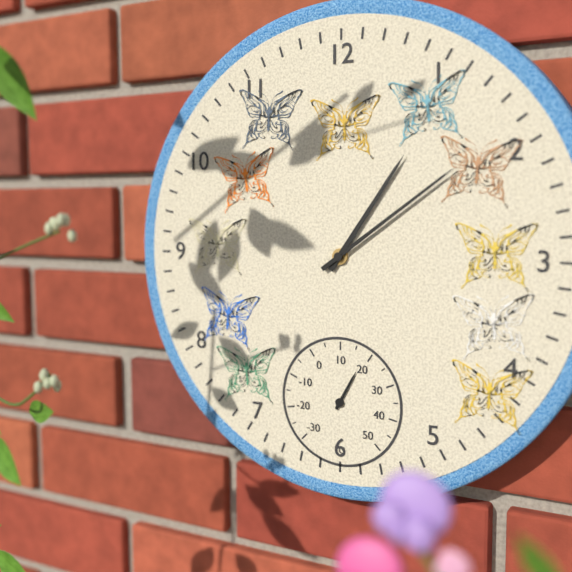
**1:09**
